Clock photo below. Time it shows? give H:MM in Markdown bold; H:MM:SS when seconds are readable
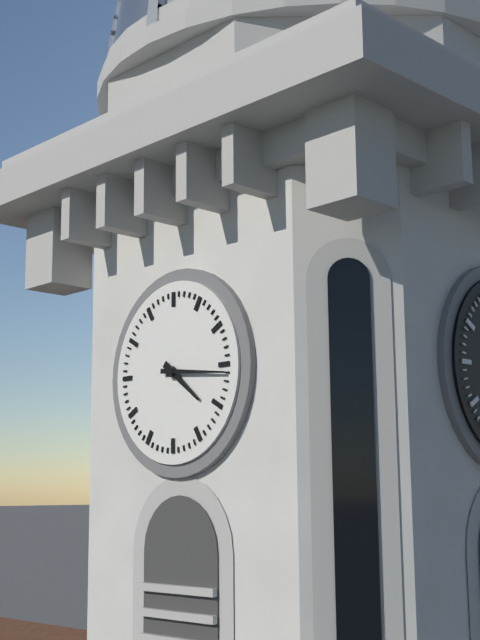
**4:16**
